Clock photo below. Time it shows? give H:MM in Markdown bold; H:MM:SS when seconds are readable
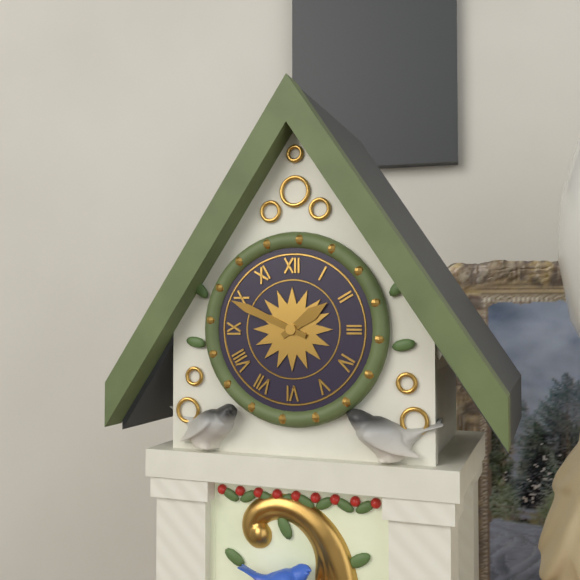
**1:49**
